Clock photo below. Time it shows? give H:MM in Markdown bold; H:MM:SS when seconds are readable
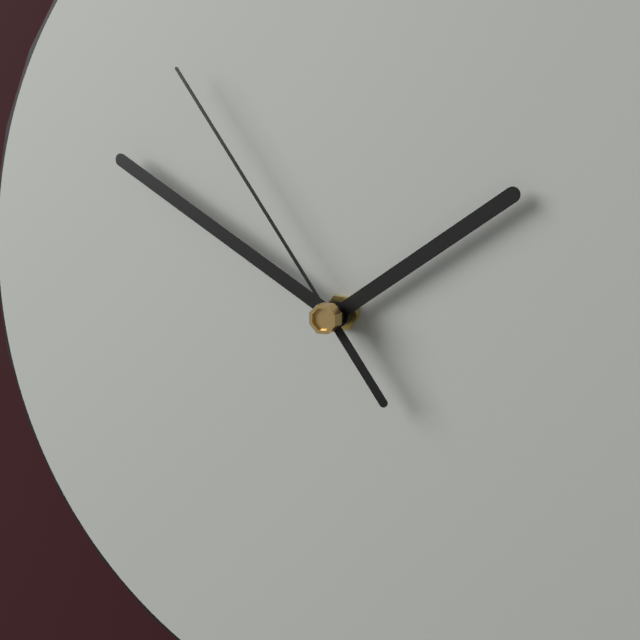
**1:50:54**
